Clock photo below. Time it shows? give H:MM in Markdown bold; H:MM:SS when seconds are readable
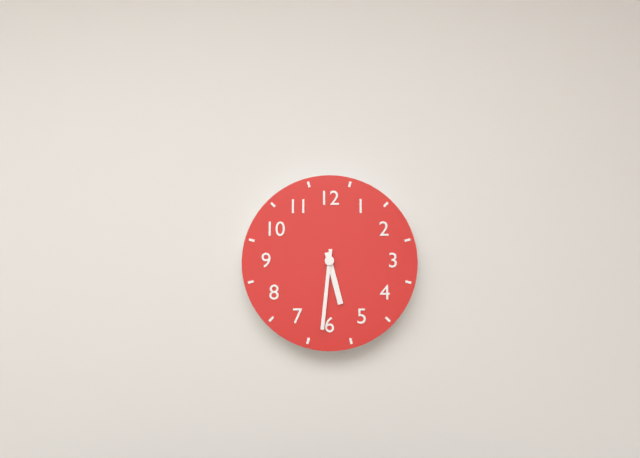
**5:31**
